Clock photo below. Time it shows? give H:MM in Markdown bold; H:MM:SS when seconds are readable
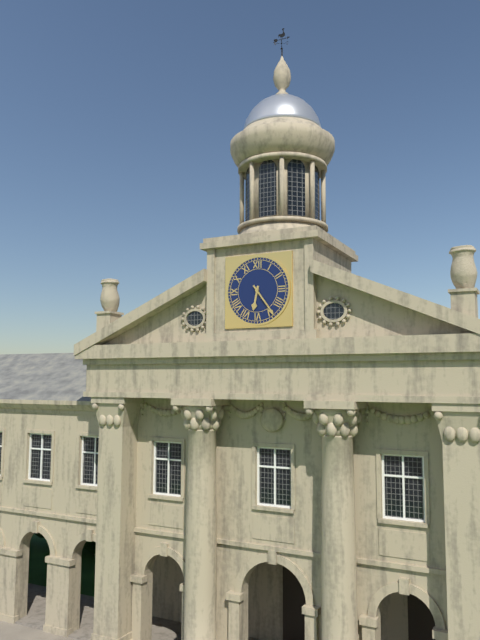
**6:24**
